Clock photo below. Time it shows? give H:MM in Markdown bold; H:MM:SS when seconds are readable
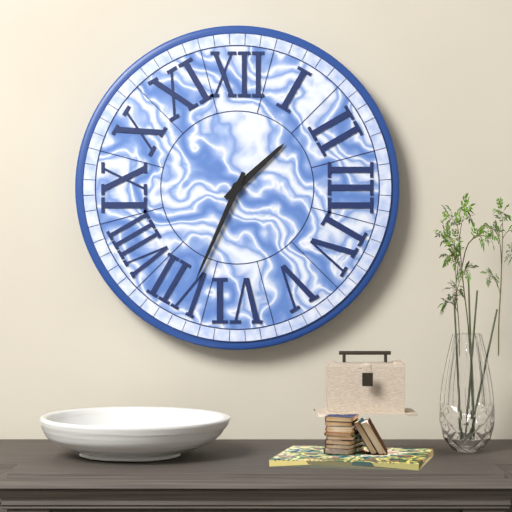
**1:34**
